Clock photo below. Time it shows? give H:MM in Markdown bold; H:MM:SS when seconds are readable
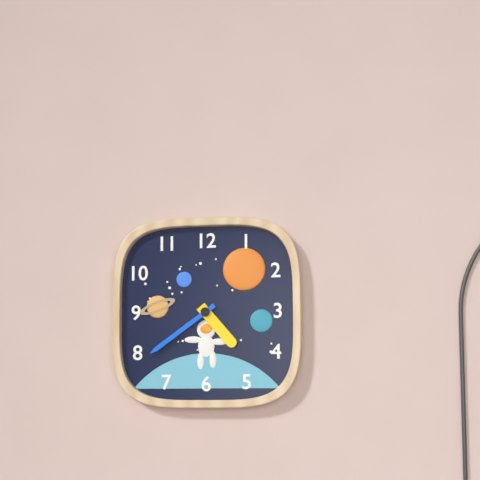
**4:39**
